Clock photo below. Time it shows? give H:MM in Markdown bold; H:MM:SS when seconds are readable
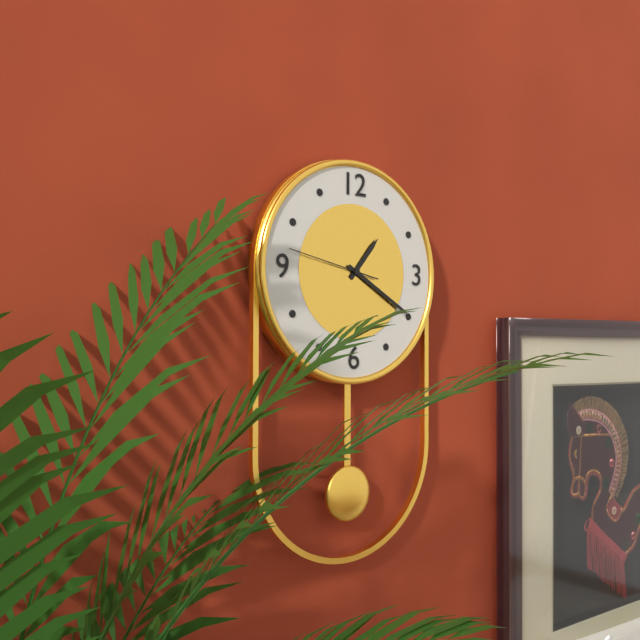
**1:20:47**
